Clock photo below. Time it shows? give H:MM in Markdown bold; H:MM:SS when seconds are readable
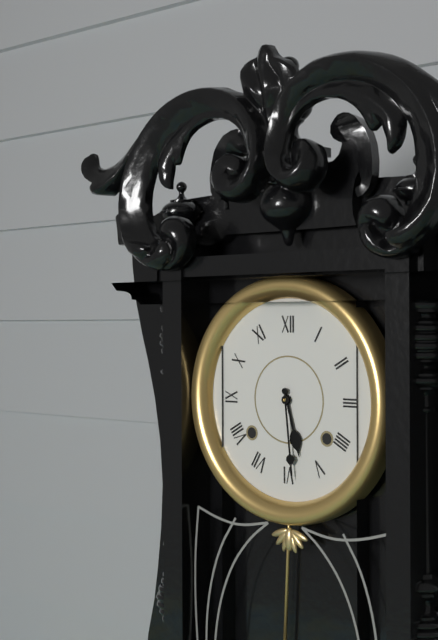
**5:29**
